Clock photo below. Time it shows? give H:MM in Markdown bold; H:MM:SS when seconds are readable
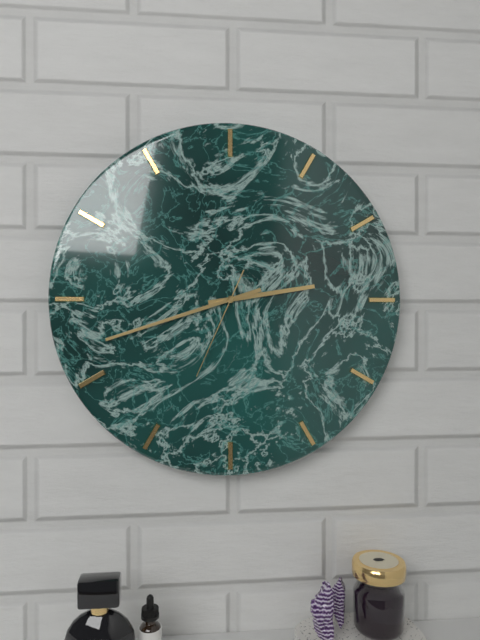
**2:42:34**
